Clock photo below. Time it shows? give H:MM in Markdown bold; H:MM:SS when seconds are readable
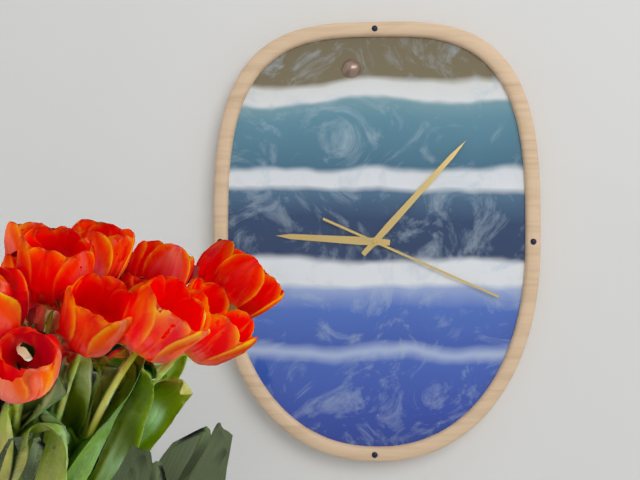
**9:07:19**
